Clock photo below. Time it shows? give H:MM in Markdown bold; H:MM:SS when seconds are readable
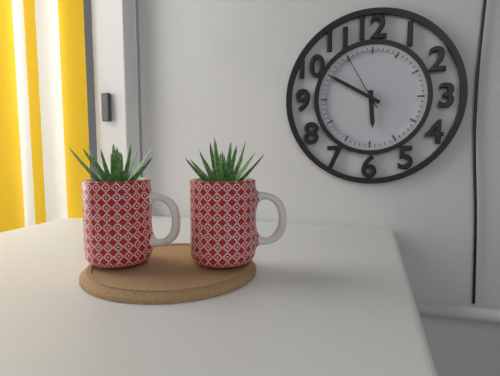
**5:50:55**
